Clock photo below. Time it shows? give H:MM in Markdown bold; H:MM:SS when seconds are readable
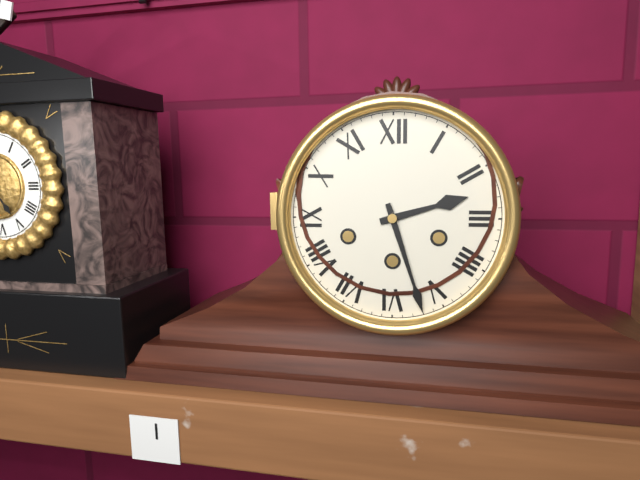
**2:27**
